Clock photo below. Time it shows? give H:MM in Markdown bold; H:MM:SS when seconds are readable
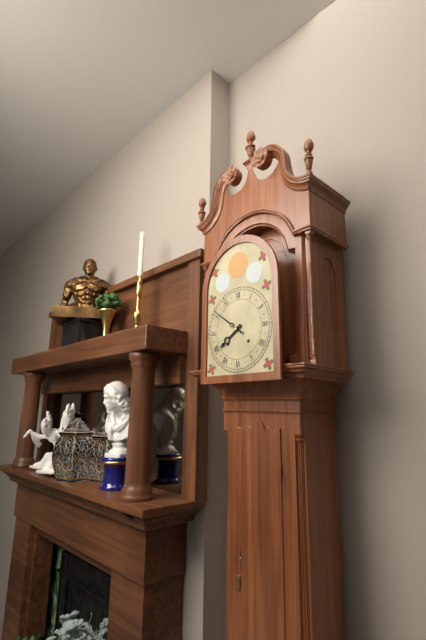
**7:51**
